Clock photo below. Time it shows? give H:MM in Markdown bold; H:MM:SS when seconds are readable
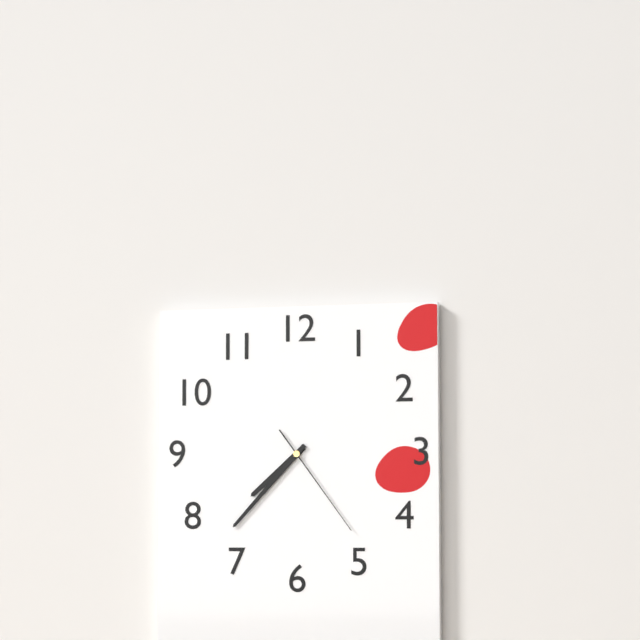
**7:37:24**
